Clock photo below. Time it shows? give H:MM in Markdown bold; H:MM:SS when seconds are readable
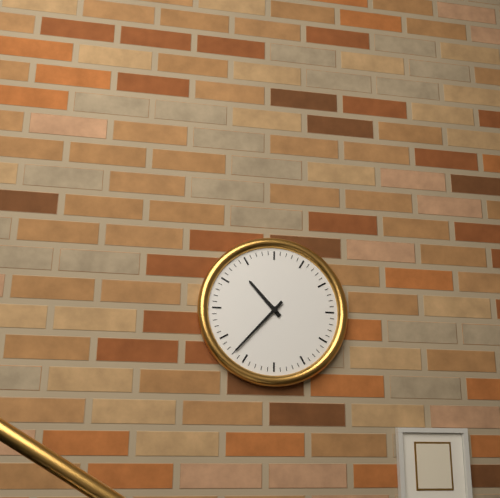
**10:37**
